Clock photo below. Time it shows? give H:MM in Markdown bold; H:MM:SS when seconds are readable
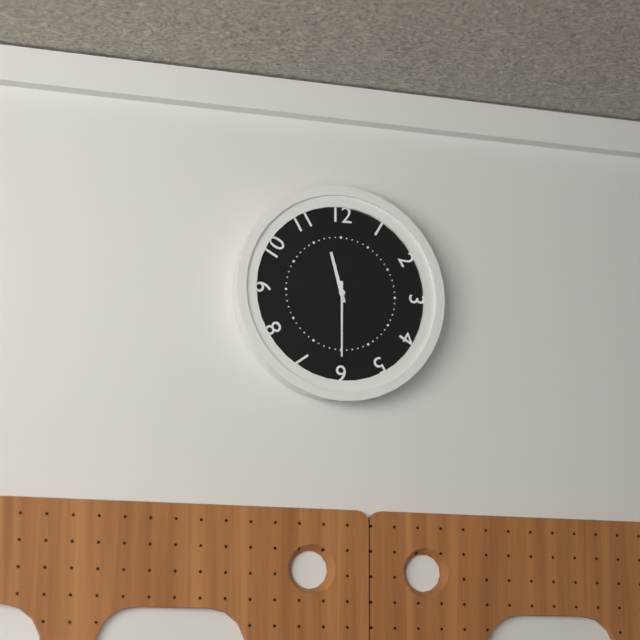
**11:30**
